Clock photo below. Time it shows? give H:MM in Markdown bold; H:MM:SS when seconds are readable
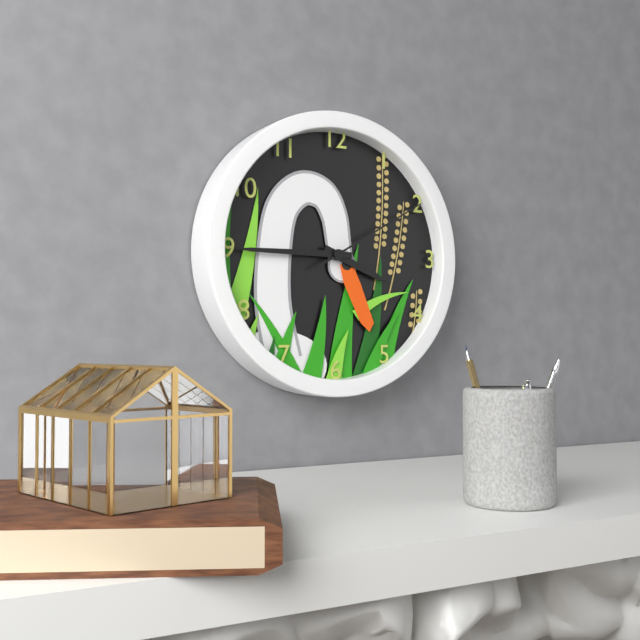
**3:45:10**
